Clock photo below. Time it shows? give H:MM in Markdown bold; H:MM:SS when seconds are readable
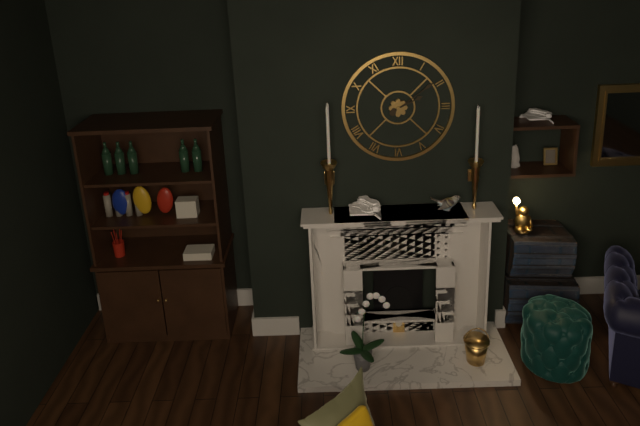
**2:09**
